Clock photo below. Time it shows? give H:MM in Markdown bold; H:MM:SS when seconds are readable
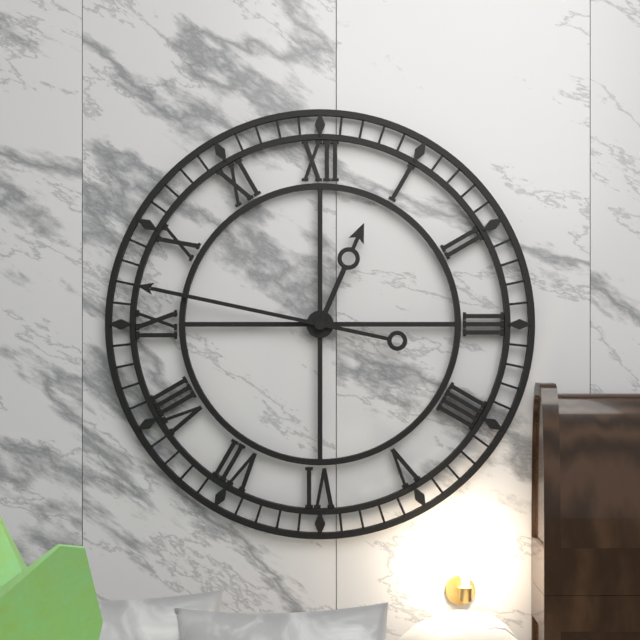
**12:47**
